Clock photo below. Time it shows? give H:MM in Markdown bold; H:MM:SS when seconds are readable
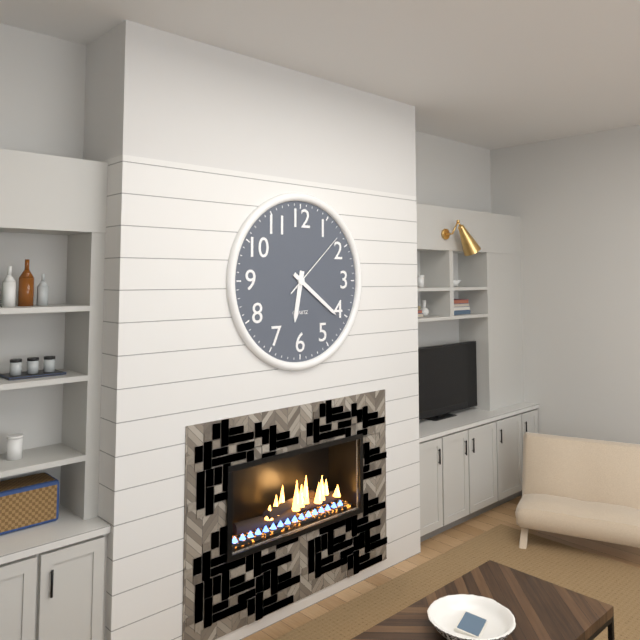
**6:21:08**
